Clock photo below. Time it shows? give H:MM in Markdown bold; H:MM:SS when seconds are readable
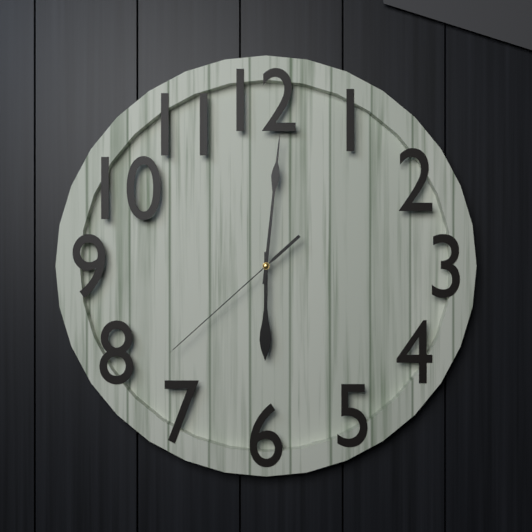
**6:01:38**
